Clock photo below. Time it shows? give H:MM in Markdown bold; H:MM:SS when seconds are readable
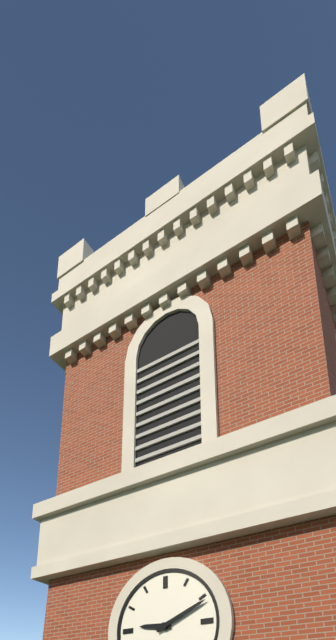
**9:11**
